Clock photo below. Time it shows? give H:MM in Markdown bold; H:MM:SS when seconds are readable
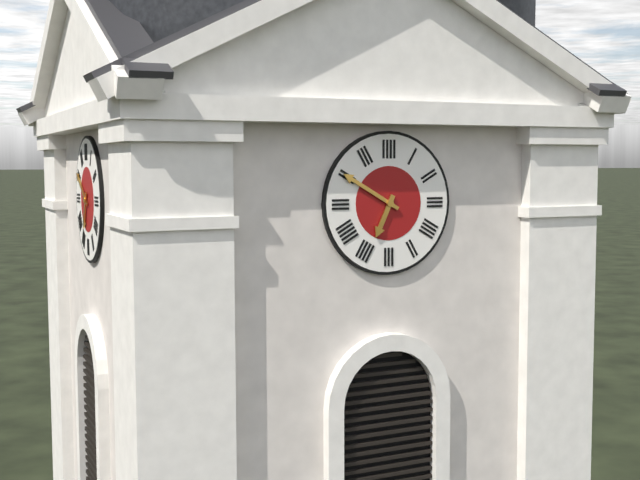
**6:50**
